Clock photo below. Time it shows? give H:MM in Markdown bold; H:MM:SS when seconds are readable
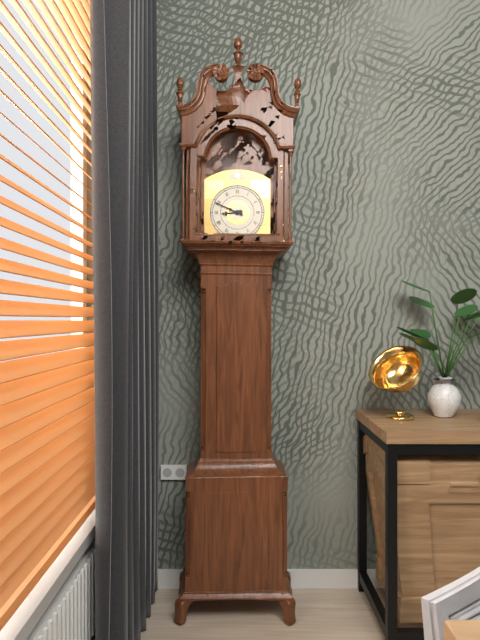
**8:49**
